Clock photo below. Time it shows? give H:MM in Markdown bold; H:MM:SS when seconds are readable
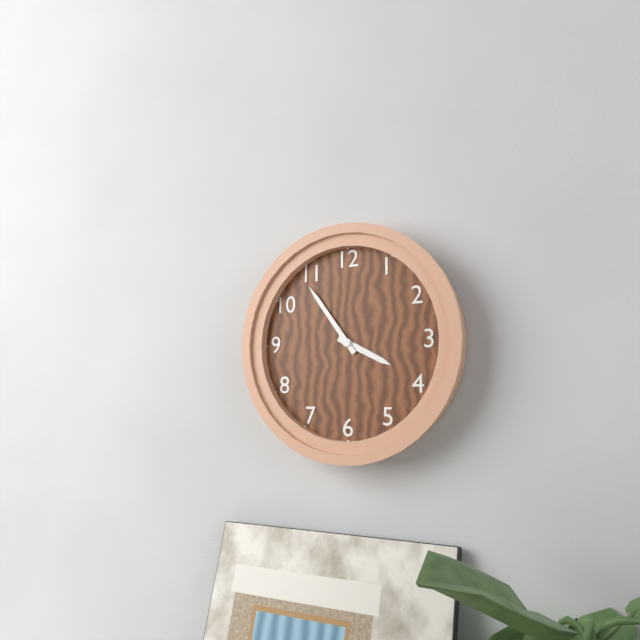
**3:54**
